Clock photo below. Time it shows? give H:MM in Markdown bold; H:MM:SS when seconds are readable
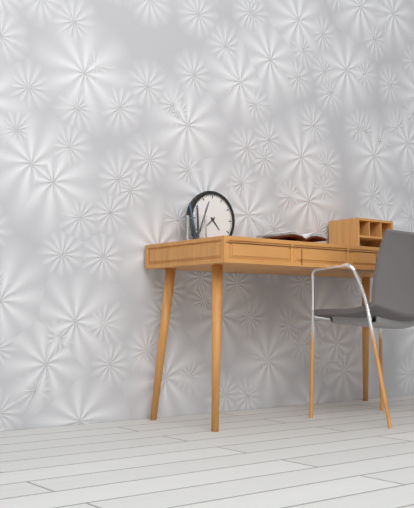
**4:38**
